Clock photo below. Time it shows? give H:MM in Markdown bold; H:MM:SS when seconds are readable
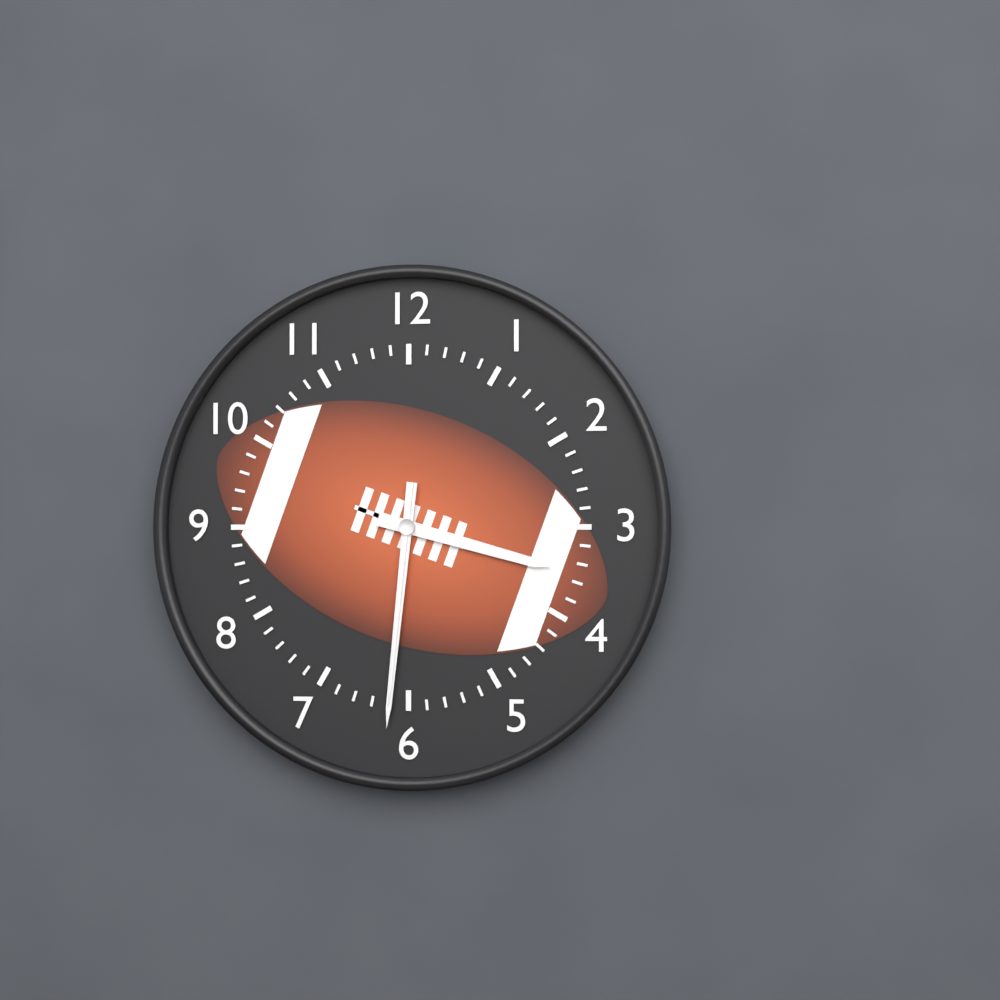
**3:31:31**
